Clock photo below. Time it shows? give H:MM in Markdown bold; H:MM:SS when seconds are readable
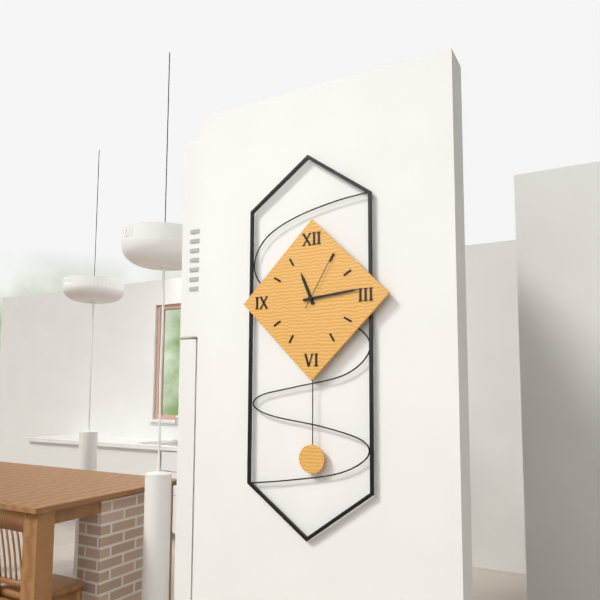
**11:14:05**
